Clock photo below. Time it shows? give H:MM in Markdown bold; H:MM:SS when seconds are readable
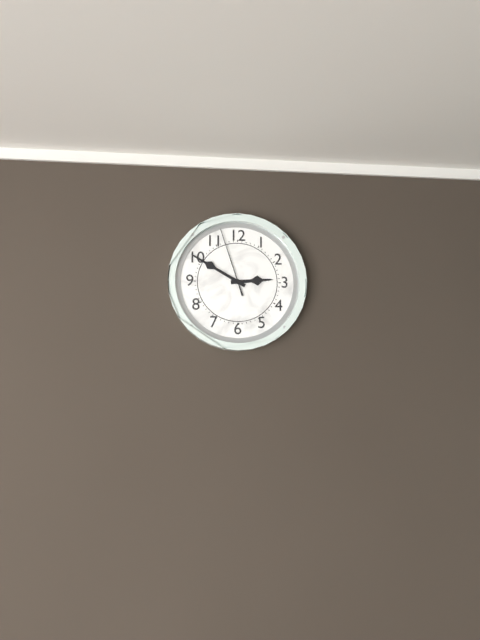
**2:50:57**
